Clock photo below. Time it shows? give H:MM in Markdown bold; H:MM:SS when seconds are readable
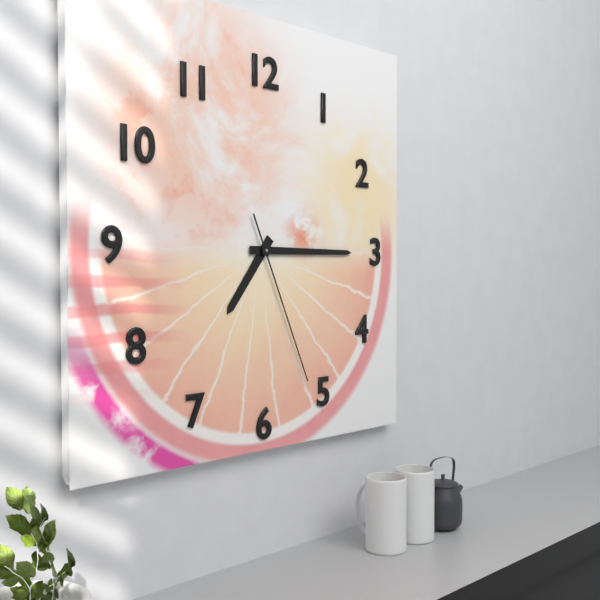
**7:15:26**
